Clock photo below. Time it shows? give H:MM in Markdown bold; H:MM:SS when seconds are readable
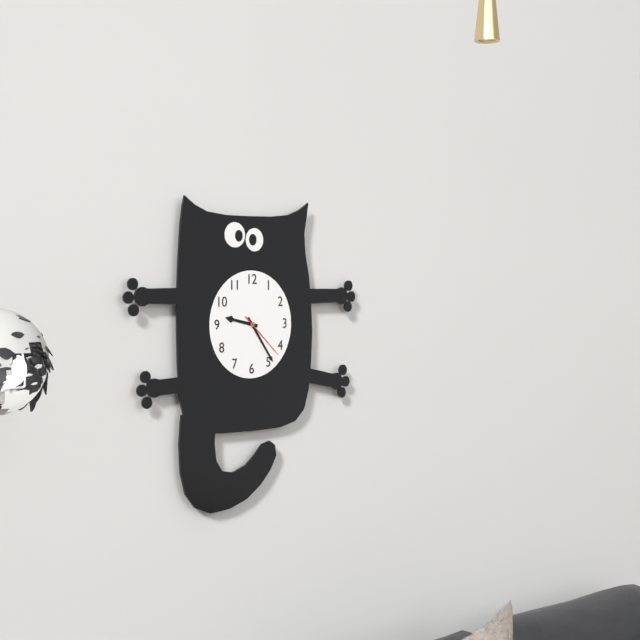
**9:24**
